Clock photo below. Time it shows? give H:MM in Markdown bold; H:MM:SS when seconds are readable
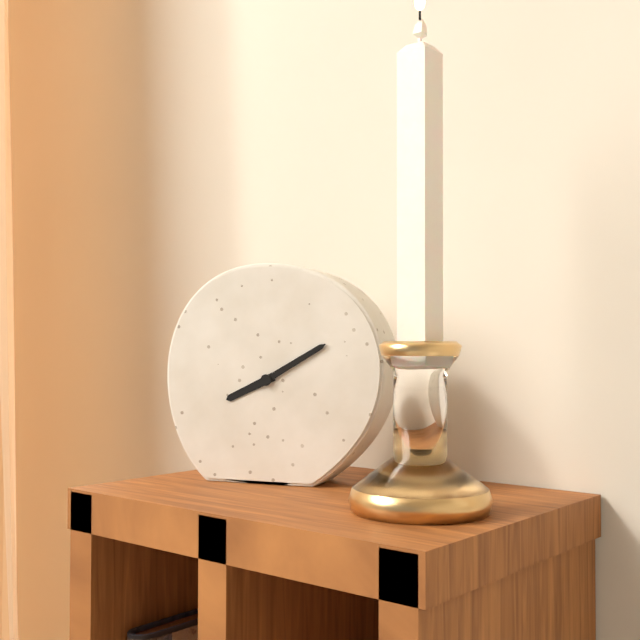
**8:10**
